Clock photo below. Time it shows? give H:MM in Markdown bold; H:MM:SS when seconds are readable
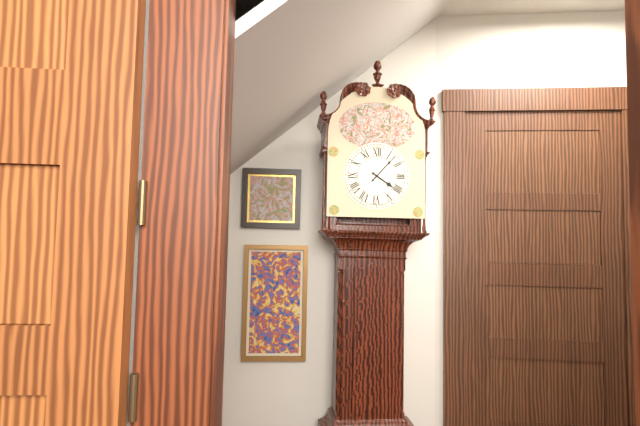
**4:07**
